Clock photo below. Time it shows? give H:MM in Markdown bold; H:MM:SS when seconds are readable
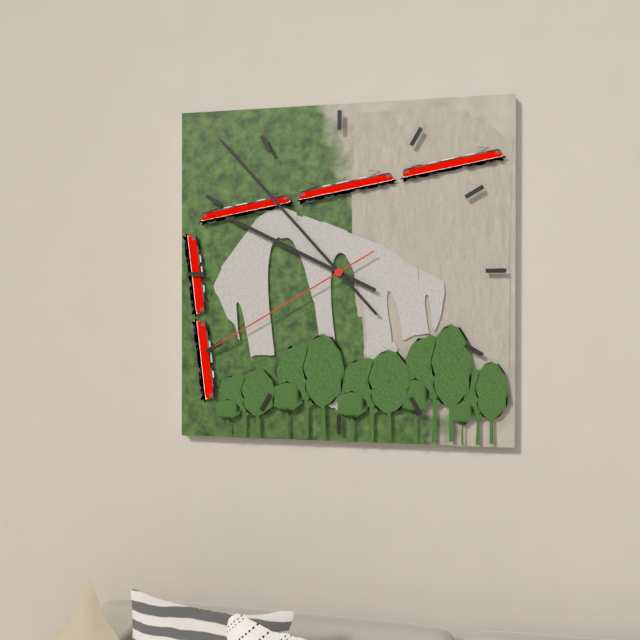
**9:53:40**
